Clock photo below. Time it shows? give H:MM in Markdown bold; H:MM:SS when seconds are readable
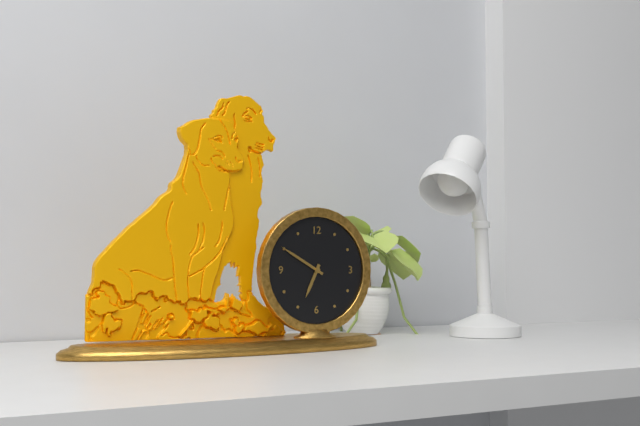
**6:50**
